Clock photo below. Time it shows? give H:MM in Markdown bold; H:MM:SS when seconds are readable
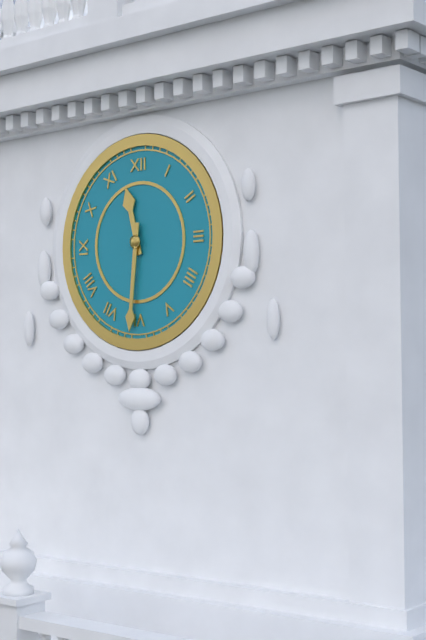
**11:31**
